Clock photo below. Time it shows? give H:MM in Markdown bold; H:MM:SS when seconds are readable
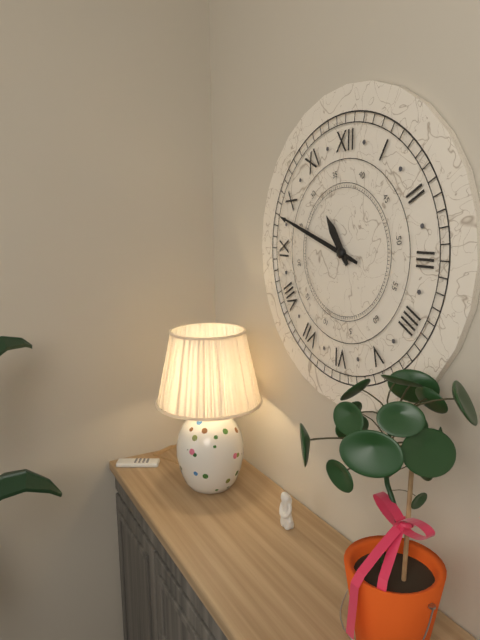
**10:48:48**
